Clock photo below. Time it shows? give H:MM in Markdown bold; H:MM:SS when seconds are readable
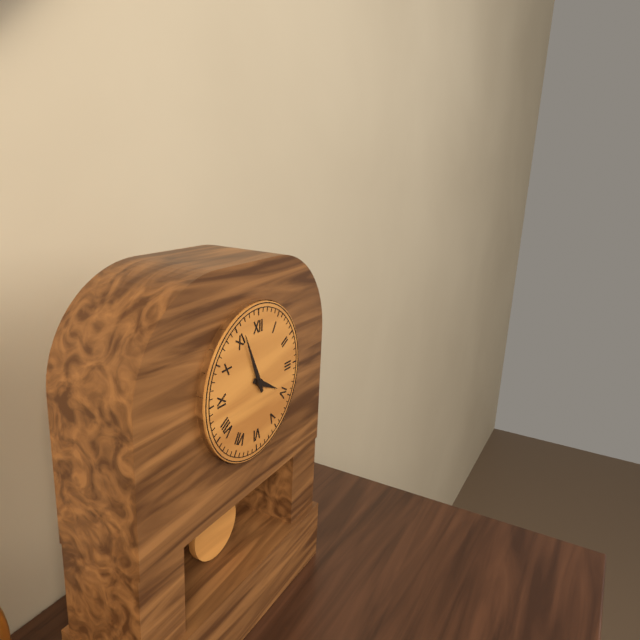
**3:56**
